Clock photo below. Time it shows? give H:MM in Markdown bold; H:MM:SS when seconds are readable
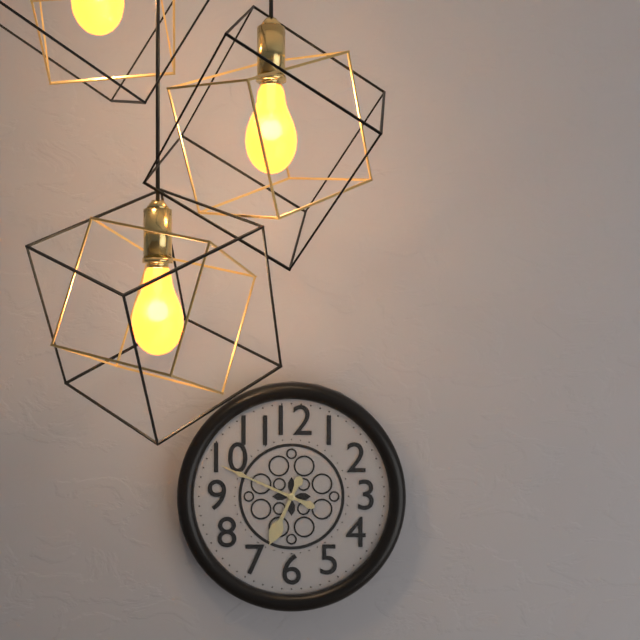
**6:49**
